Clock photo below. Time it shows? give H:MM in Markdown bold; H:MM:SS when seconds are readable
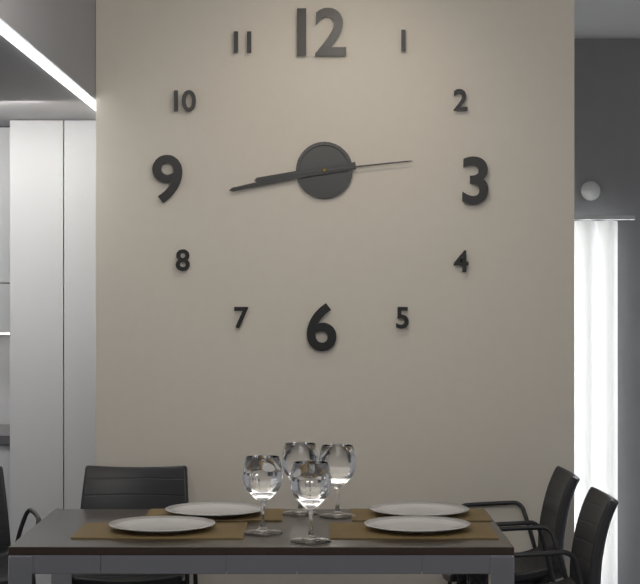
**8:43:14**
